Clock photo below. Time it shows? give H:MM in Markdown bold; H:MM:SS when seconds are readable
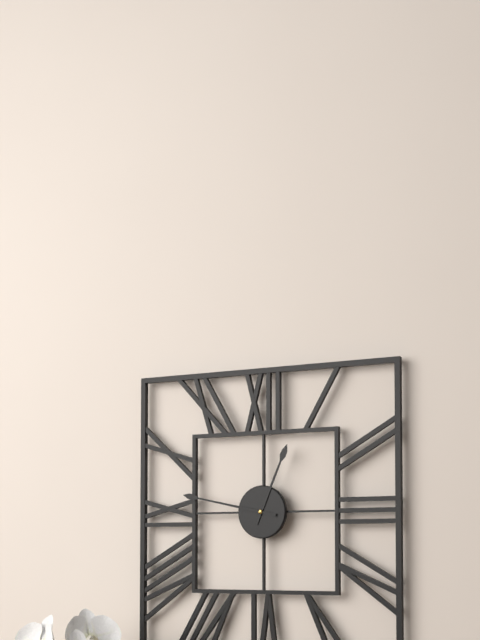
**12:47**
